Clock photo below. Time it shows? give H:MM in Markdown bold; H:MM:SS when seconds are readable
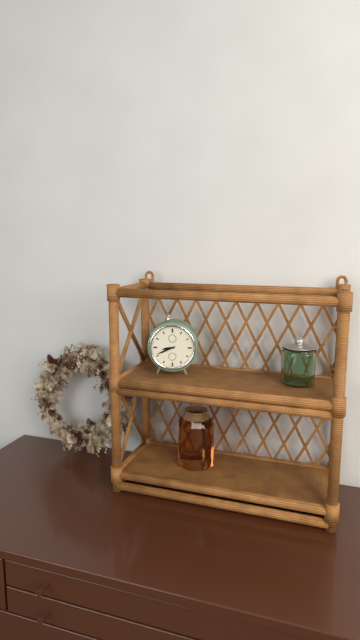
**8:41**
